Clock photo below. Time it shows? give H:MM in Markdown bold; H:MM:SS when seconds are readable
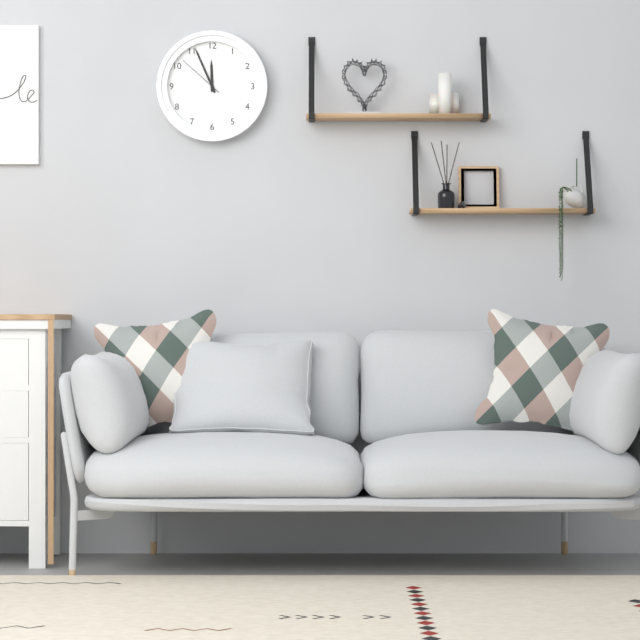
**11:56**
